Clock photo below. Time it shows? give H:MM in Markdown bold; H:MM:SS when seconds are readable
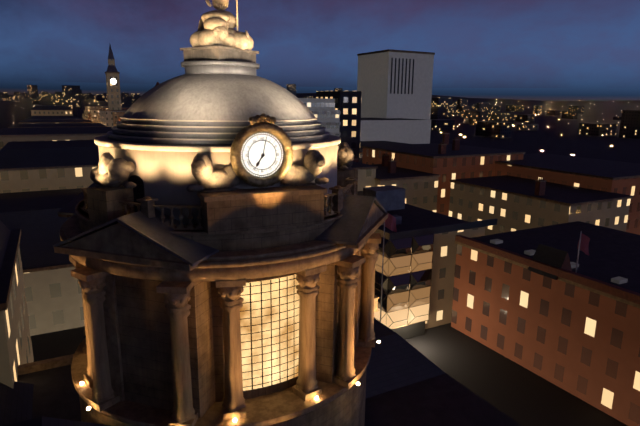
**7:02**
